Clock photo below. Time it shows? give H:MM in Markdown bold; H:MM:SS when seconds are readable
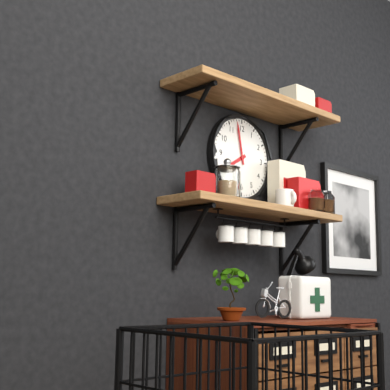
**7:58**
